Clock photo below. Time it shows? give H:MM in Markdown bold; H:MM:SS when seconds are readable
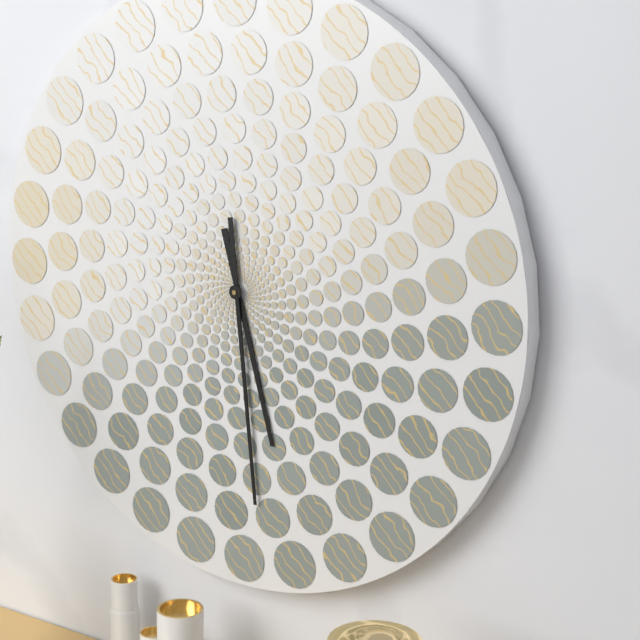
**5:29**
